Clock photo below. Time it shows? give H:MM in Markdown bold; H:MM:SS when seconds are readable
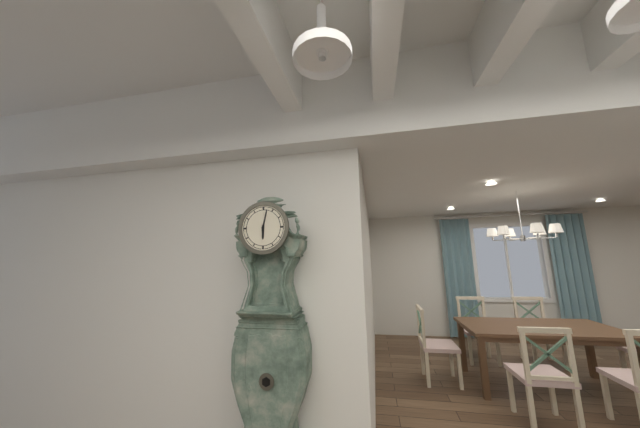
**6:02**
